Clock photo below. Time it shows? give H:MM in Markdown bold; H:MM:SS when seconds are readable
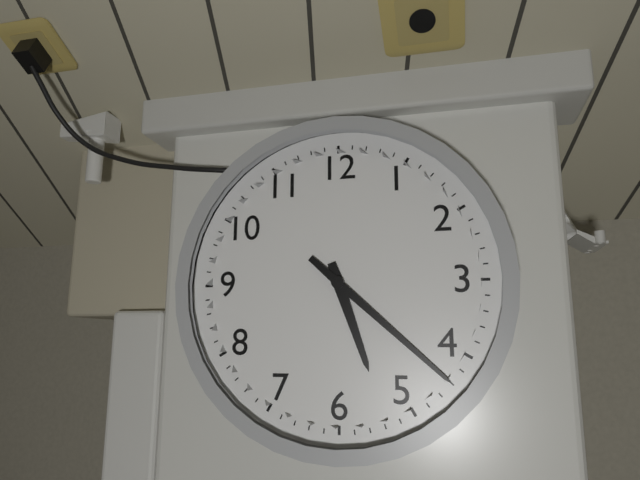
**5:22**
